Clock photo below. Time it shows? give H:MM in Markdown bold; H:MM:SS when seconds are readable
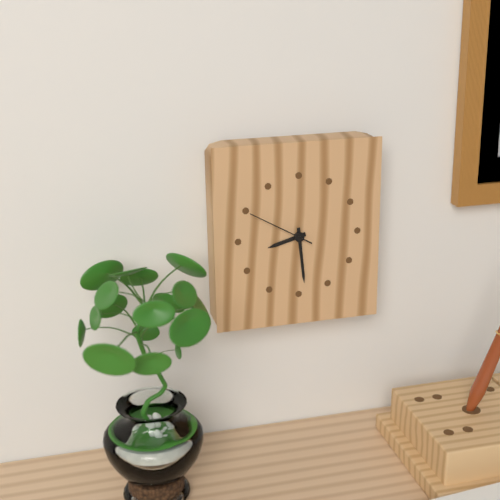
**8:29:50**
